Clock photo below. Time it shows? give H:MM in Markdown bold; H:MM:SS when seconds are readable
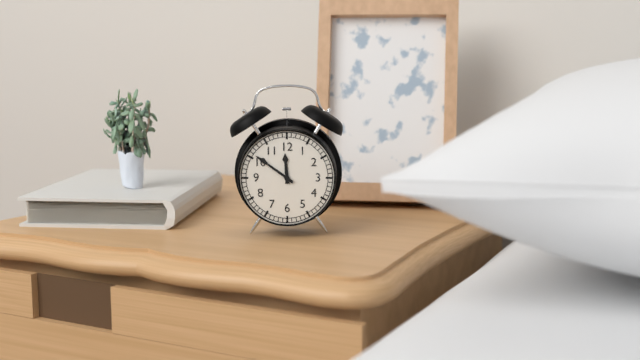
**11:51**
